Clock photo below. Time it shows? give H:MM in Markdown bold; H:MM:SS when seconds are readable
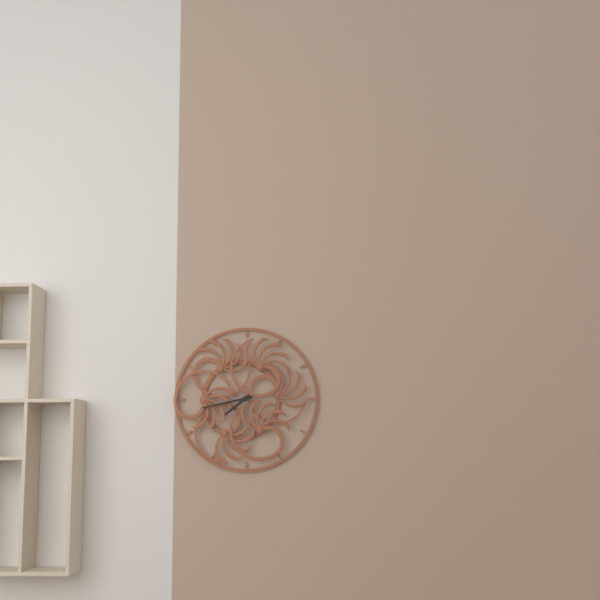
**7:43**
